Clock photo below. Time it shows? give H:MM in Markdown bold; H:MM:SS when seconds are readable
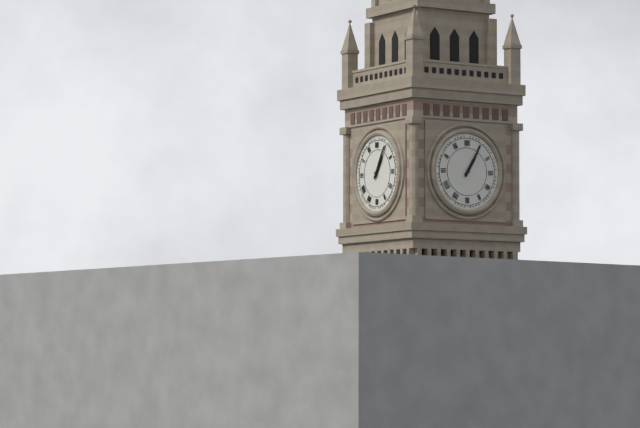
**1:05**
